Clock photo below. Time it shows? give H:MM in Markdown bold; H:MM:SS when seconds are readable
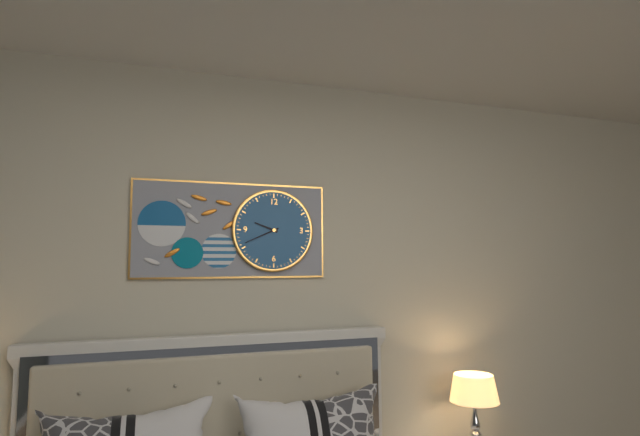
**9:41**
